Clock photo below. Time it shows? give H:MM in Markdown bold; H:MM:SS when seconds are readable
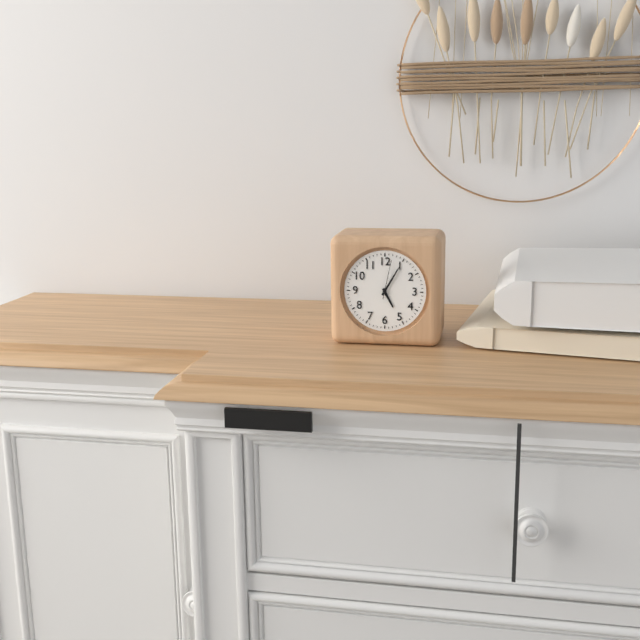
**5:05**
